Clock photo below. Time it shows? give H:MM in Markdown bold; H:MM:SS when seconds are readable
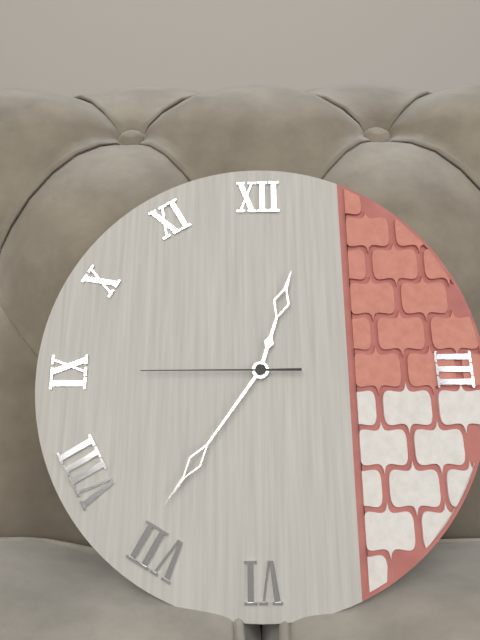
**12:36:45**
